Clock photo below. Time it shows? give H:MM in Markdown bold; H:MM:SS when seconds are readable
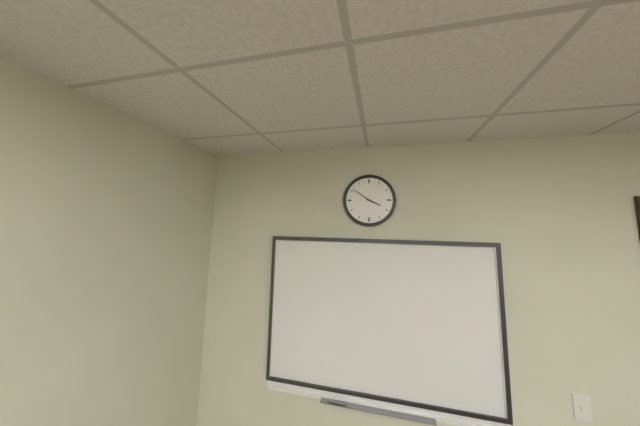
**3:51**
